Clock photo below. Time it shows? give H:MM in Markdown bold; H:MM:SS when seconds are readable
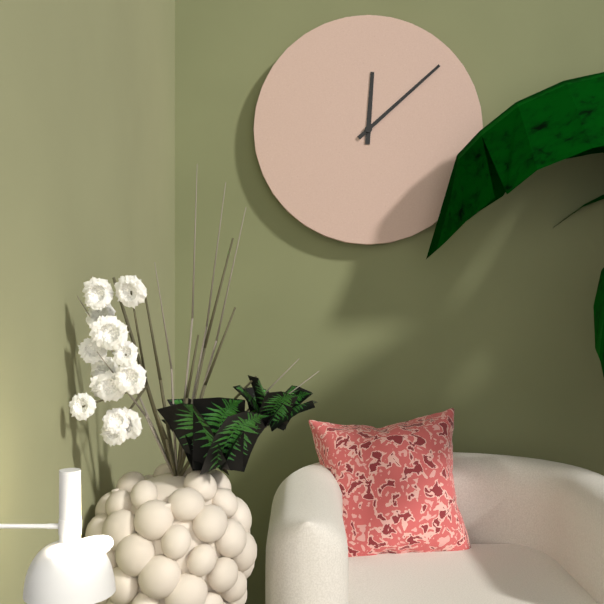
**12:08**
